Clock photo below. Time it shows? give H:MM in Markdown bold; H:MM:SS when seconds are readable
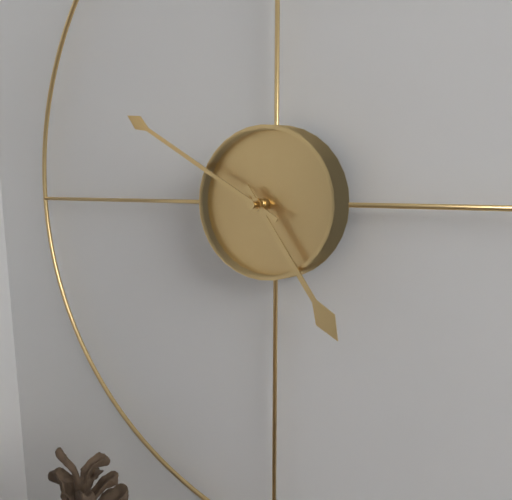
**4:50**
